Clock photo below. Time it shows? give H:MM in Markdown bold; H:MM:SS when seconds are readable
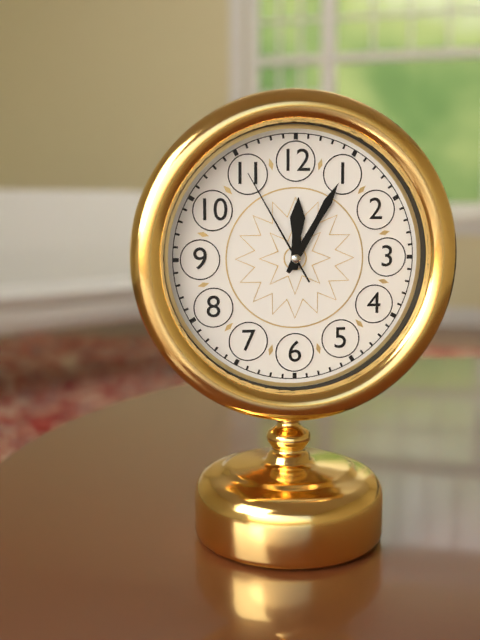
**12:05:55**
